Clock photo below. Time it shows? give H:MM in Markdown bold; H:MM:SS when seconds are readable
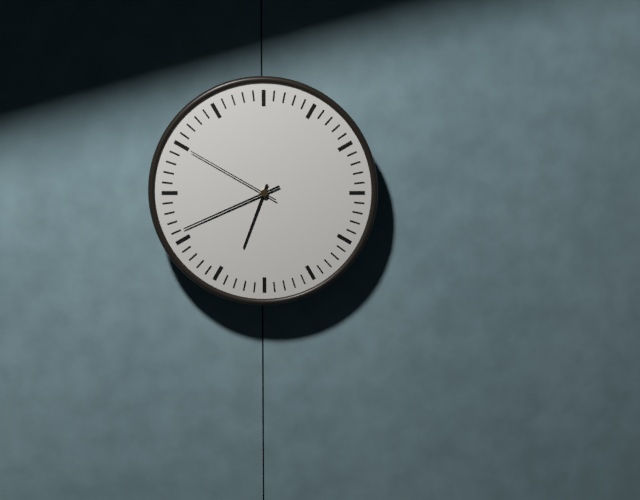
**6:41:50**
